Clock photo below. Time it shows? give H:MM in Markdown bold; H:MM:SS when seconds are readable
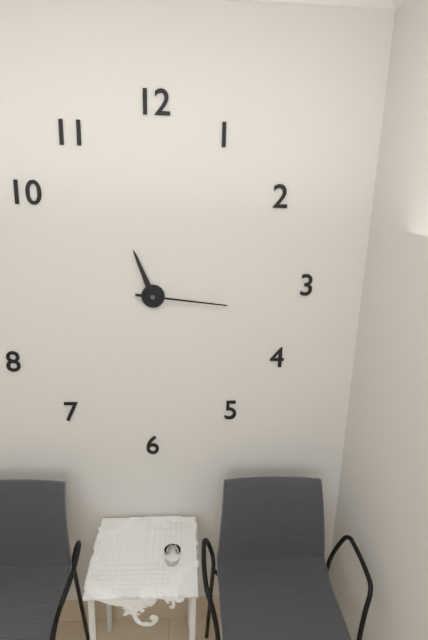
**11:16**
